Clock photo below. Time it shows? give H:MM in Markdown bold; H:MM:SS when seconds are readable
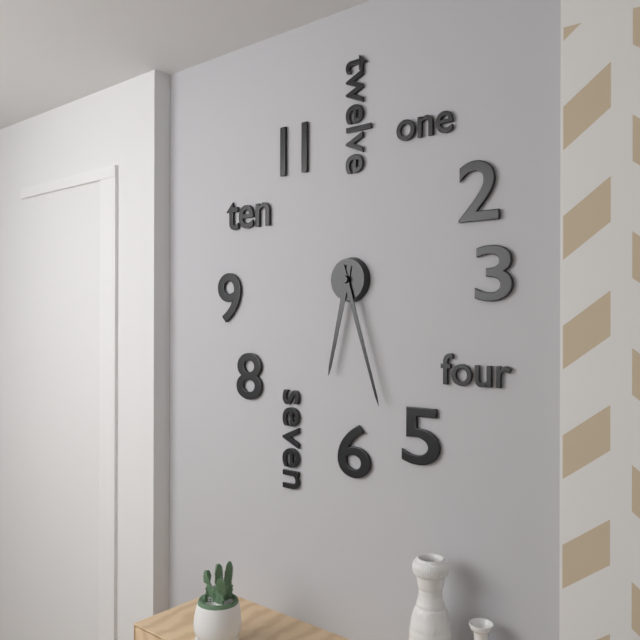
**6:27**
